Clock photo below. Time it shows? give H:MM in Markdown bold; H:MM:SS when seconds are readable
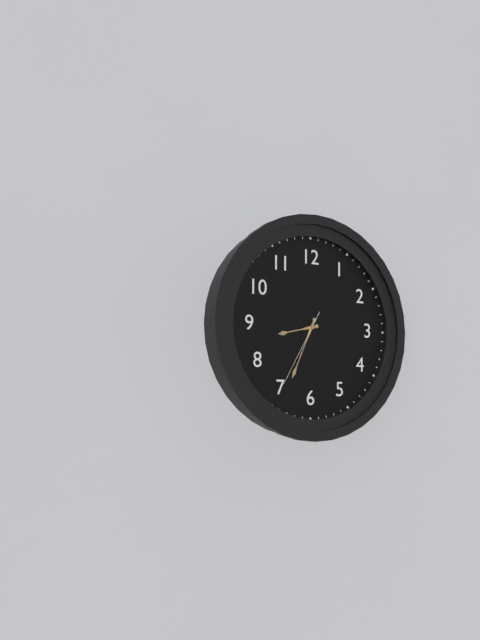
**8:34:35**
